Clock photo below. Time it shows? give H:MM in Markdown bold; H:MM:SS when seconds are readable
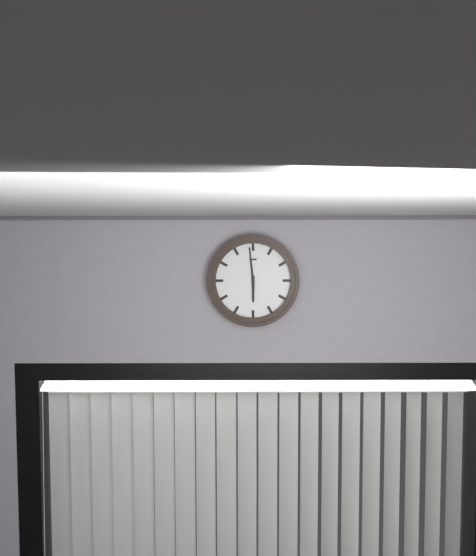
**5:59**
